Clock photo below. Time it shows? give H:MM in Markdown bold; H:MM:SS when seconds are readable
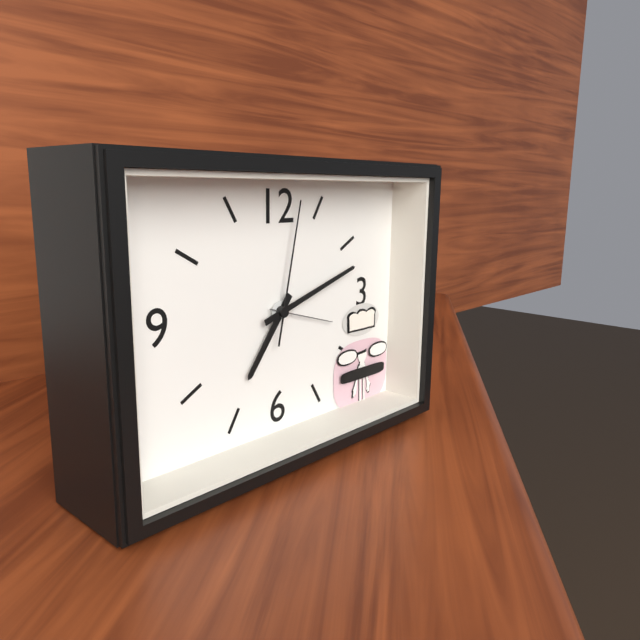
**7:12:02**
